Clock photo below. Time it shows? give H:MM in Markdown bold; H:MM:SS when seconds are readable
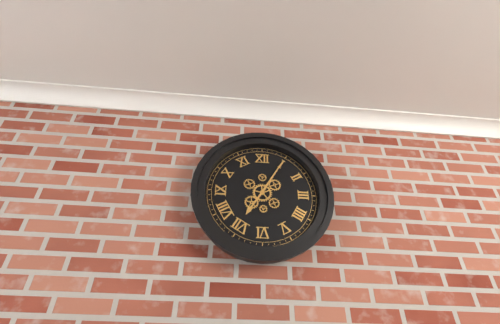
**7:05**
